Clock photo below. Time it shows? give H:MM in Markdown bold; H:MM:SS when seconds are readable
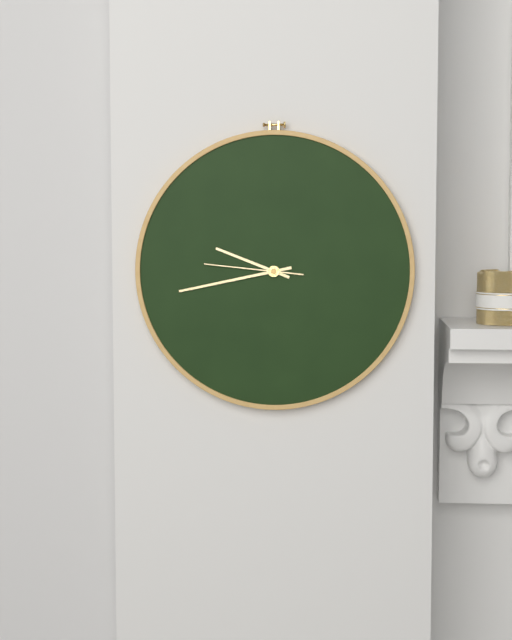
**9:43:46**
